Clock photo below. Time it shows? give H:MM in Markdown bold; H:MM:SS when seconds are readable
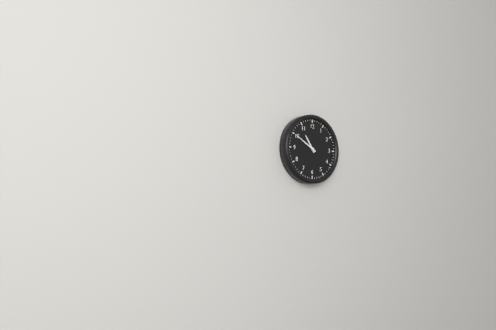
**10:50**
